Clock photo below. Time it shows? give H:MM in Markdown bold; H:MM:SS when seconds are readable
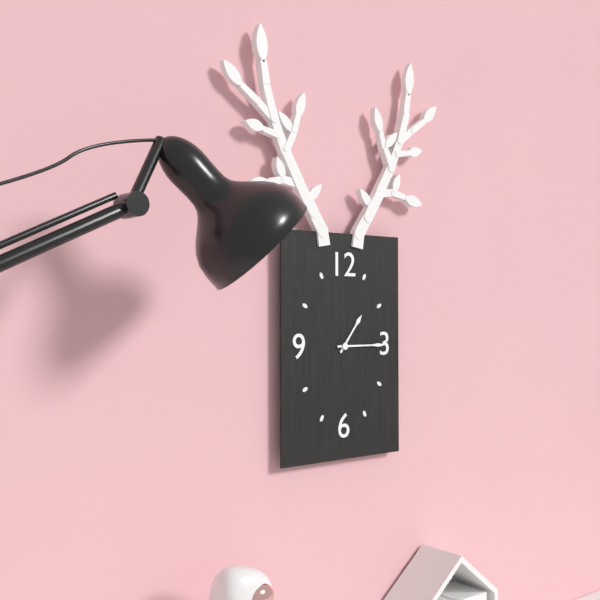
**1:15**
